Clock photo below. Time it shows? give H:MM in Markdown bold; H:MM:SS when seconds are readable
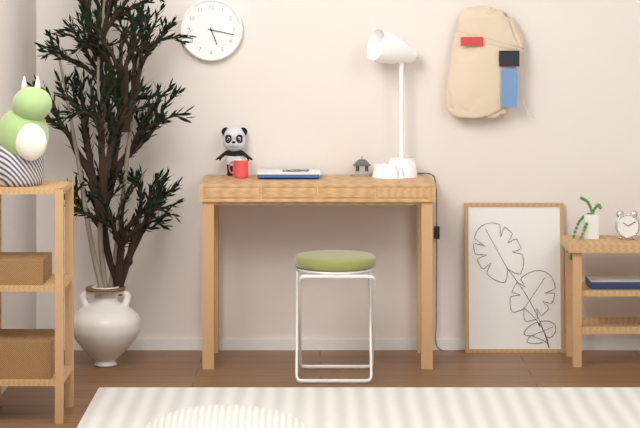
**5:17**
